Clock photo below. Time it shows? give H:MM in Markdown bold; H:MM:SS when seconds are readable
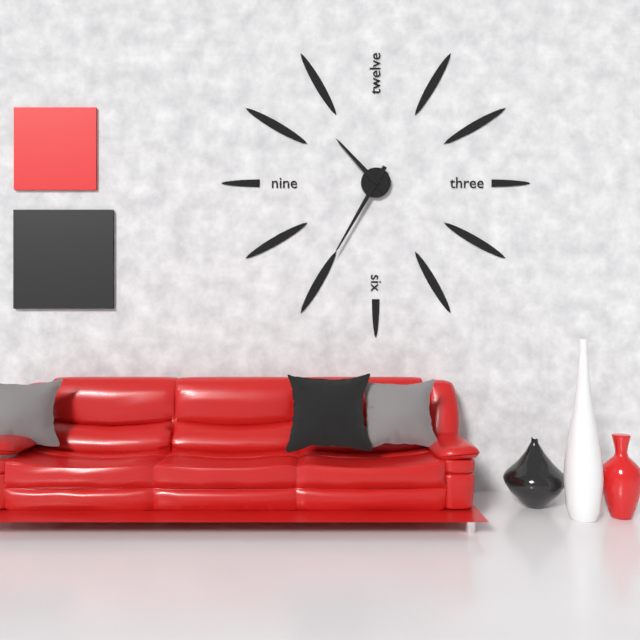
**10:35**
